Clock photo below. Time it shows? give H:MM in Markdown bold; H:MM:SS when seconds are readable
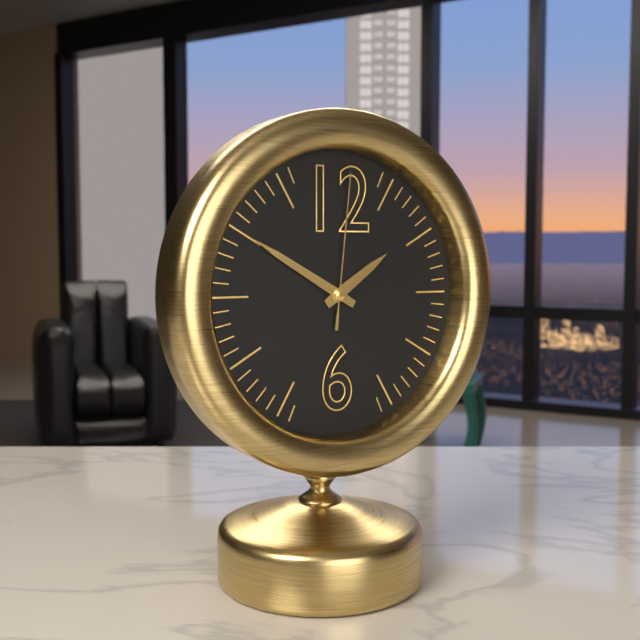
**1:50:01**
